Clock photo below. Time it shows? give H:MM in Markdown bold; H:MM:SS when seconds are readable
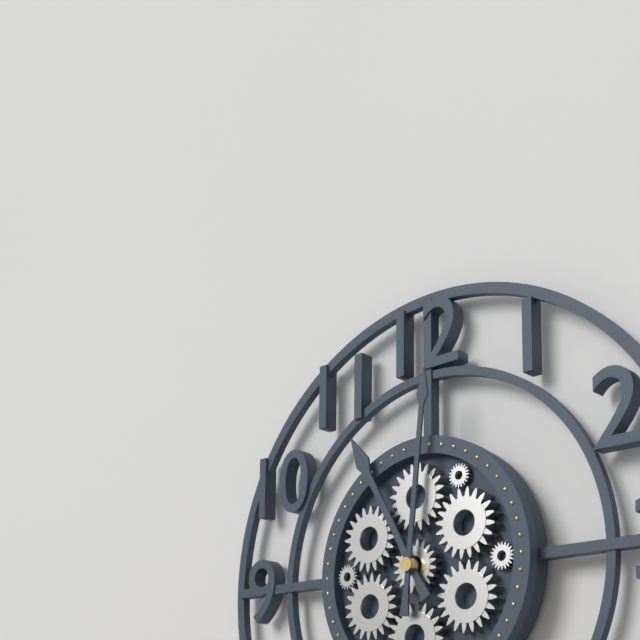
**11:01**
